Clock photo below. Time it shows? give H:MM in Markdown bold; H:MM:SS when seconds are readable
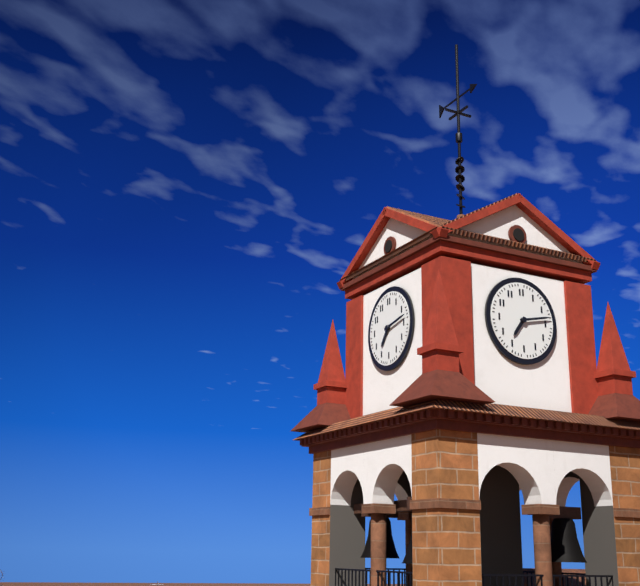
**7:13**
